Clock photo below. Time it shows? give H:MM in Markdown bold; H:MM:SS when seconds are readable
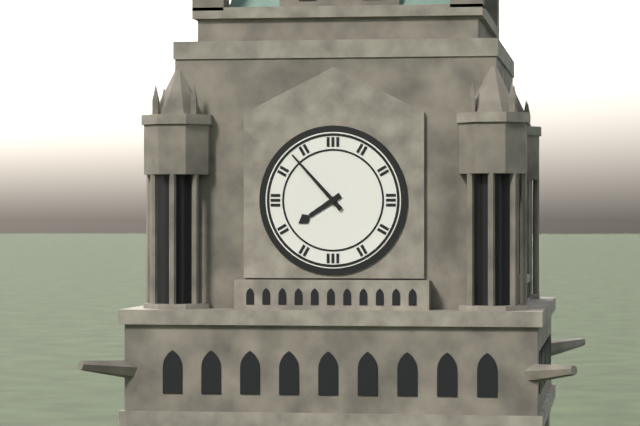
**7:53**
